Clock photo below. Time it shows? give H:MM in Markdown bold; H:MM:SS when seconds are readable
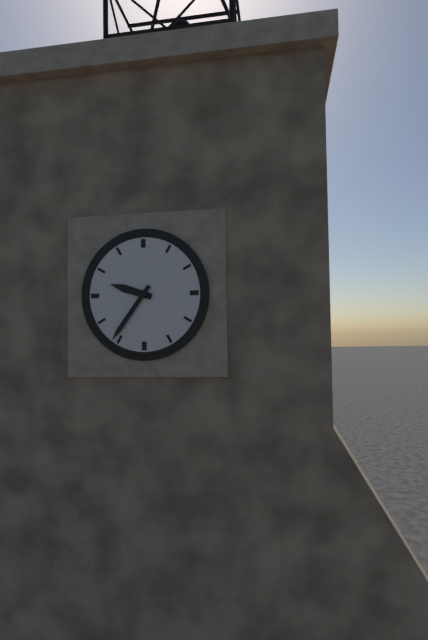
**9:36**
